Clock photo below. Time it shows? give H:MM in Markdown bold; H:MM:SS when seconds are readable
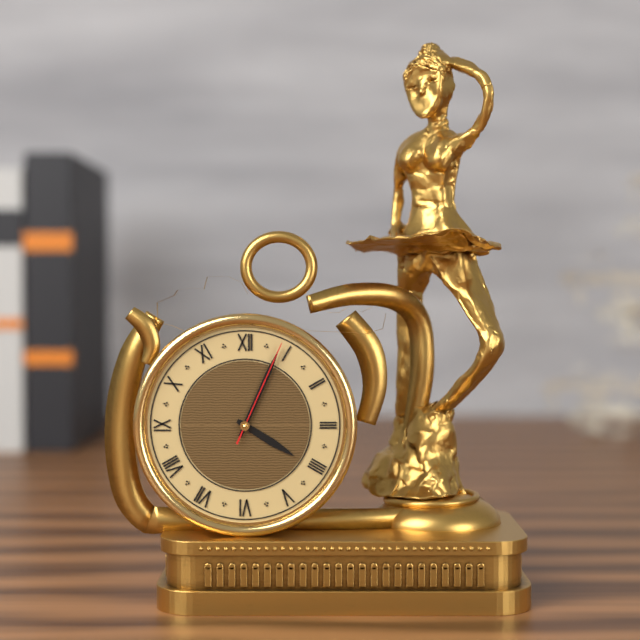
**4:04:04**
